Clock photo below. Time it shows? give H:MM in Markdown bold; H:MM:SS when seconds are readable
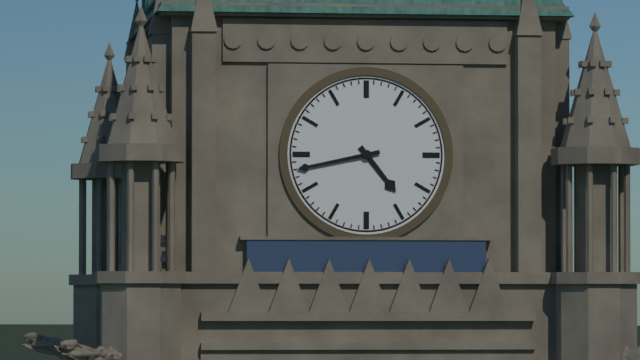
**4:43**
